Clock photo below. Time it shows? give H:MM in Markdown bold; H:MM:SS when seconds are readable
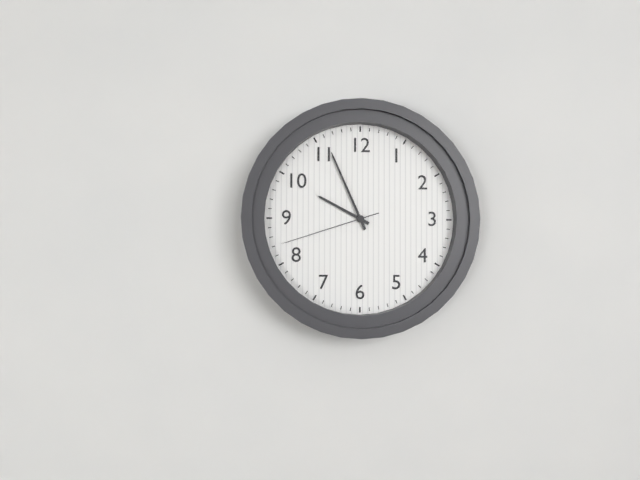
**9:56:42**
